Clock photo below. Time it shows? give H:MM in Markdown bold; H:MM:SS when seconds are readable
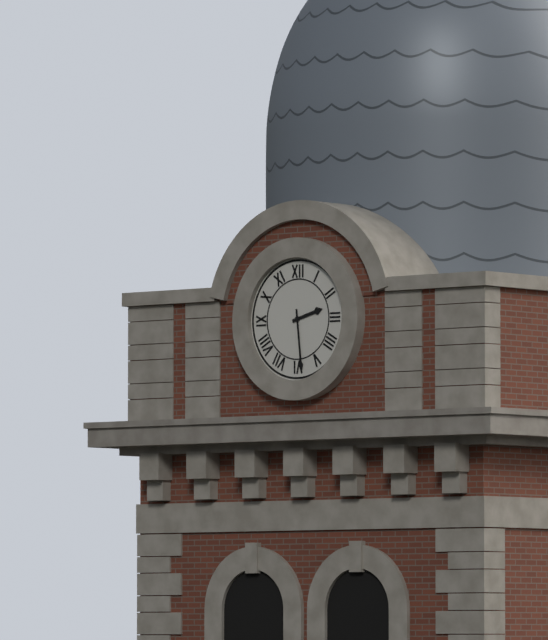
**2:29**
